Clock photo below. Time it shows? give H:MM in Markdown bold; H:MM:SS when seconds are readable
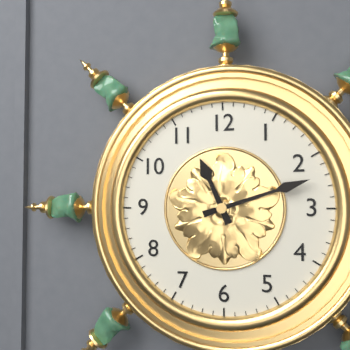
**11:12**
